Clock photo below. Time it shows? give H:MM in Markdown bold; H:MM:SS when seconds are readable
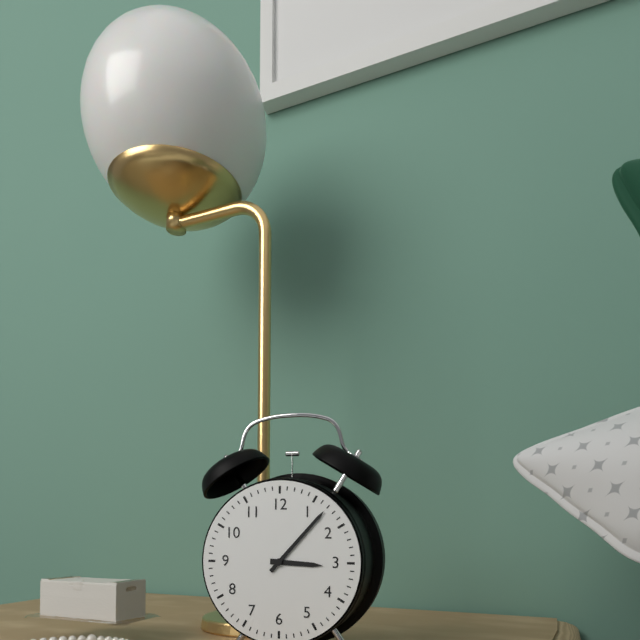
**3:07**
